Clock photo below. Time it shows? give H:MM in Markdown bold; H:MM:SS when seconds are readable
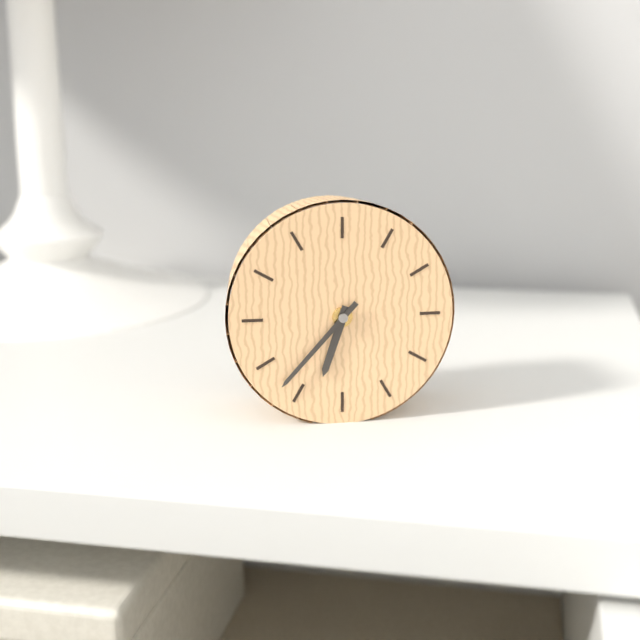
**6:37**
